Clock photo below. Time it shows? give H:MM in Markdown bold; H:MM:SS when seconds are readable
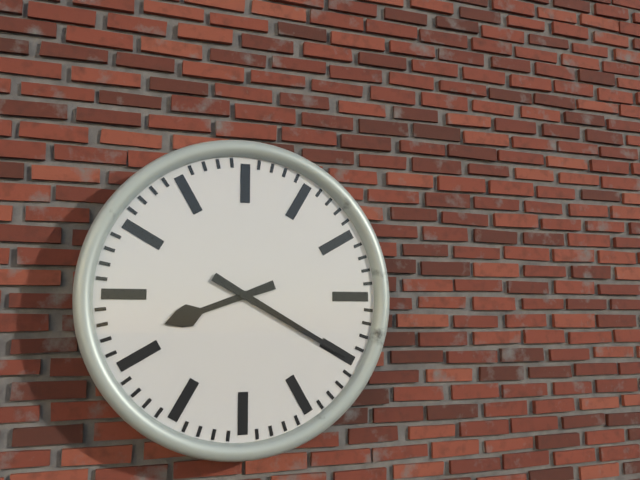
**8:20**
